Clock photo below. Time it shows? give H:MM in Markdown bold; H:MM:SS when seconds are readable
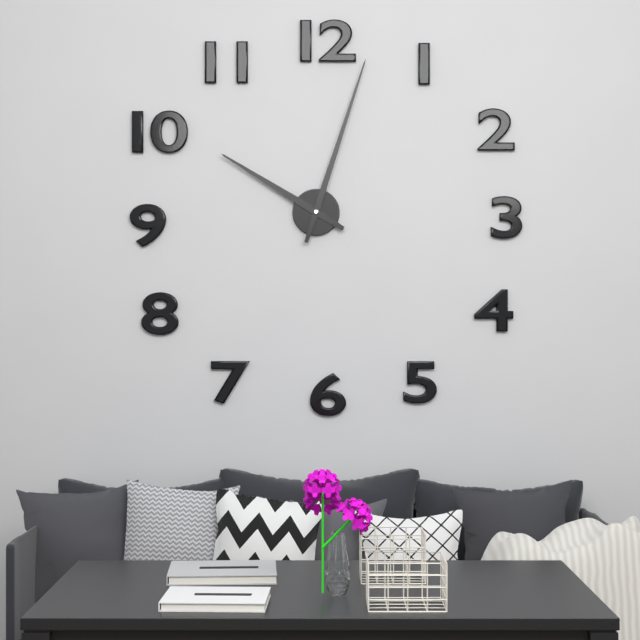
**10:03**
